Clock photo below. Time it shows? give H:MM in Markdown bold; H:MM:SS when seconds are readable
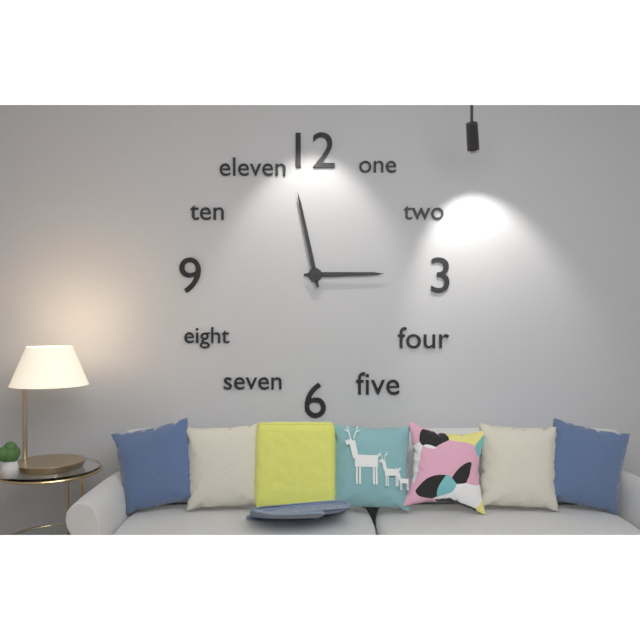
**2:58**
